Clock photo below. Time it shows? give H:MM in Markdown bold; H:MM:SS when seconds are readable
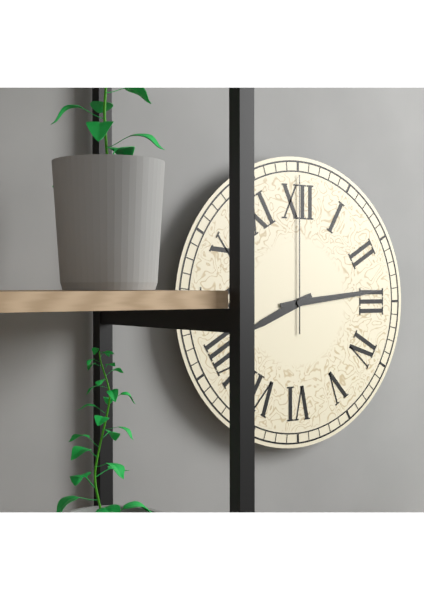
**8:14:00**
